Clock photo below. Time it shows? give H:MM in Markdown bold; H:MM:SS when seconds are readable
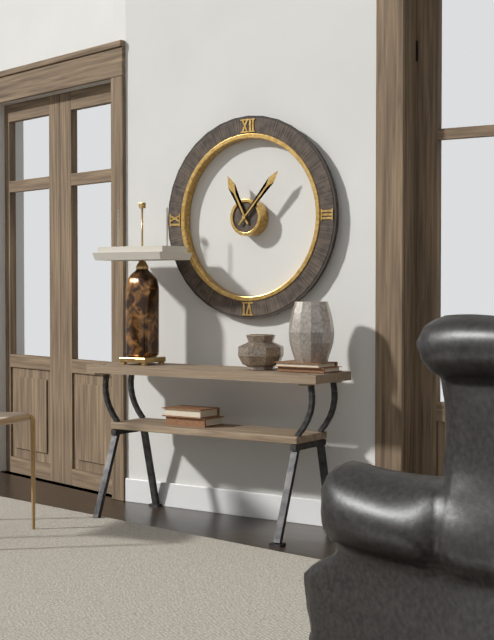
**11:07**
